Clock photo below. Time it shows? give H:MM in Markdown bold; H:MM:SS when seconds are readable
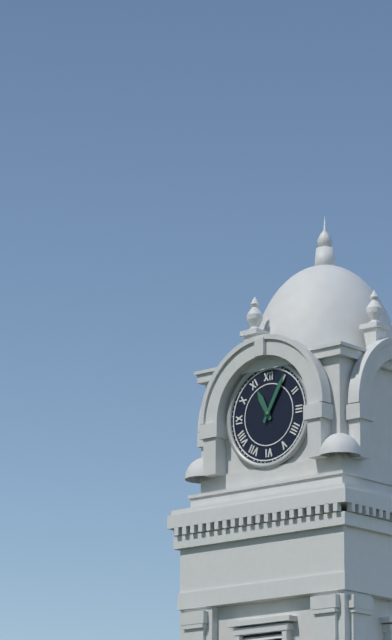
**11:05**
